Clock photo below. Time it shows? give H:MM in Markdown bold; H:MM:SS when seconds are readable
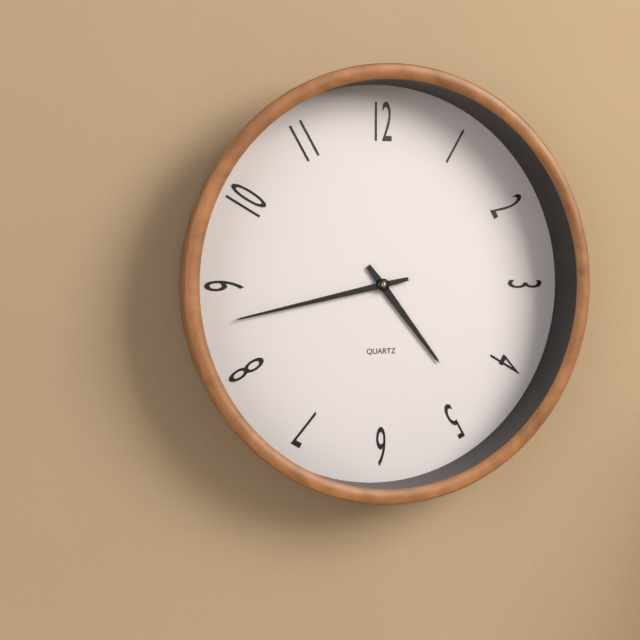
**4:43**
